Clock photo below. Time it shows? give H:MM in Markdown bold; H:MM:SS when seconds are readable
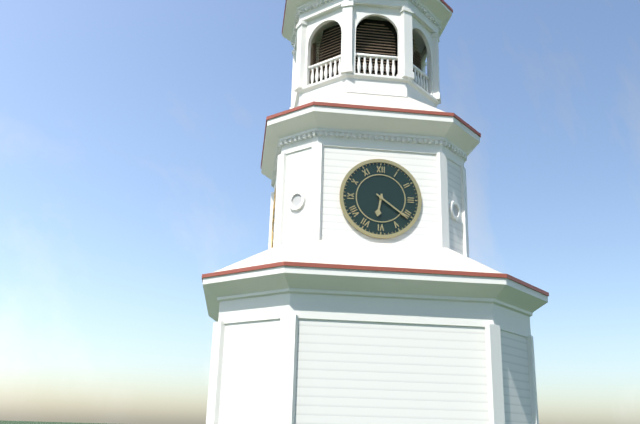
**6:21**
